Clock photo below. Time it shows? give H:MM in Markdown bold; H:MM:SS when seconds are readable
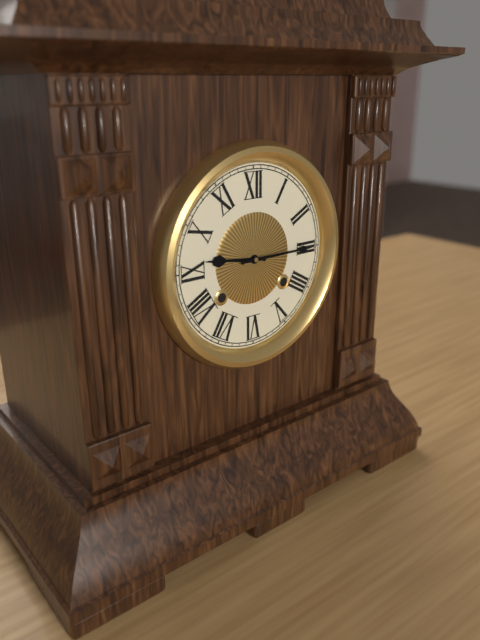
**9:15**
